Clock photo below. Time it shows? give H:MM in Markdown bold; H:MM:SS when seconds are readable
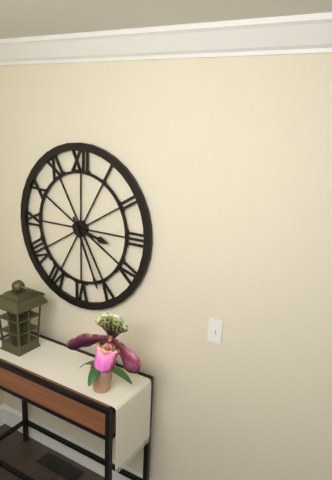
**3:26**
